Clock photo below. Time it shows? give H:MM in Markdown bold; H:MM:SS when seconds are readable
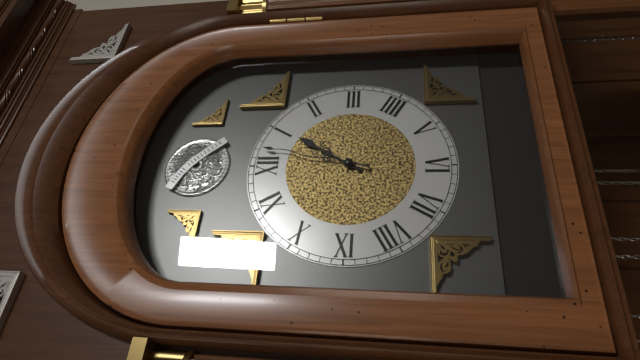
**1:02**
